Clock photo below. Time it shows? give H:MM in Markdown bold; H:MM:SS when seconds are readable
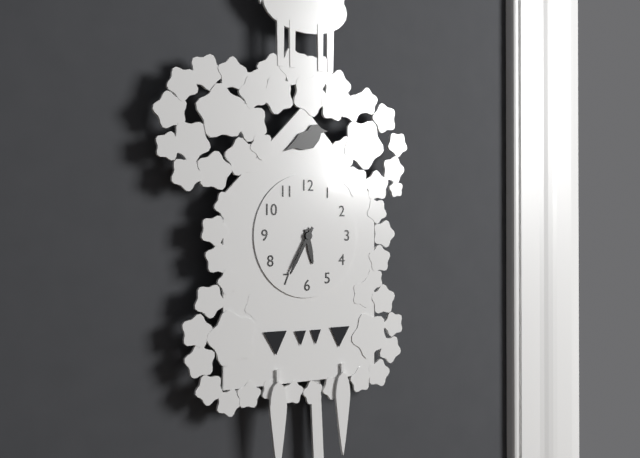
**5:35**
